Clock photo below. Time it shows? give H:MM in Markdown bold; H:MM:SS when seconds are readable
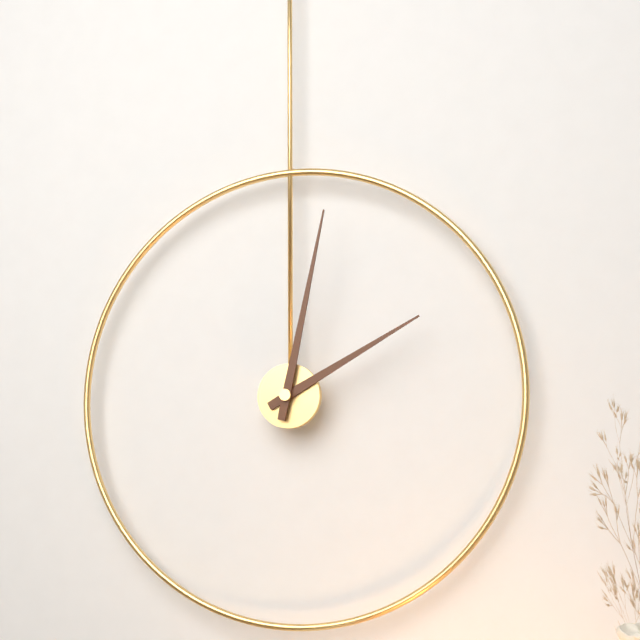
**2:02**
